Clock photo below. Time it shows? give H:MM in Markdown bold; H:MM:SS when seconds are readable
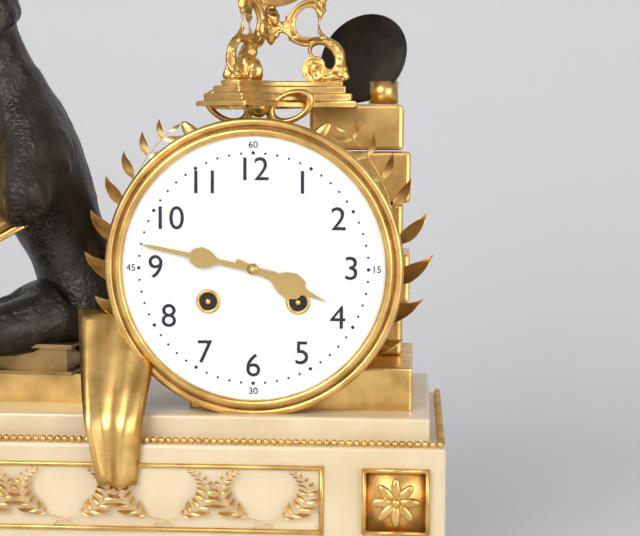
**3:47**
